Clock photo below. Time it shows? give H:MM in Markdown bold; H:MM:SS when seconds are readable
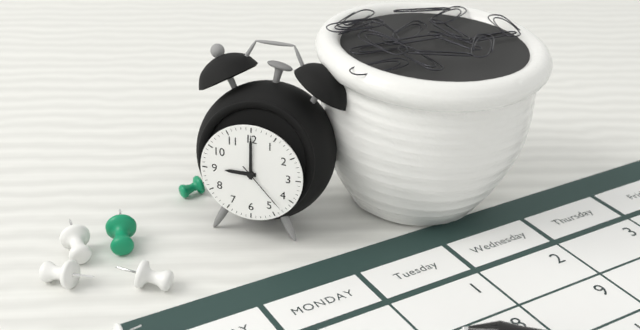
**9:00:23**
